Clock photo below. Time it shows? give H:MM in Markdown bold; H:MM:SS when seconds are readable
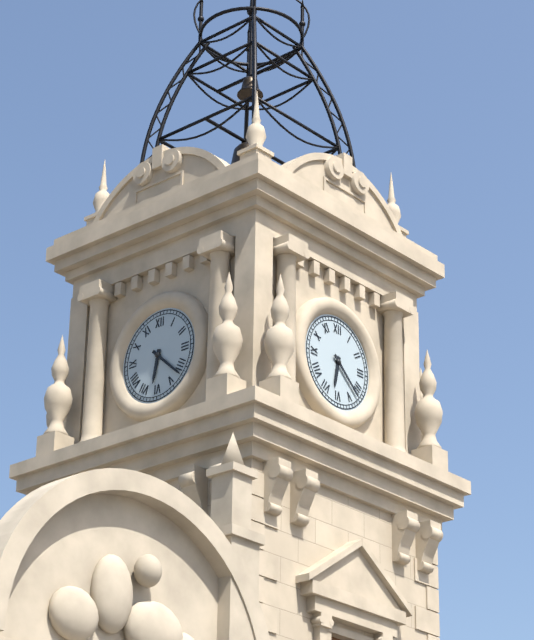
**6:22**
